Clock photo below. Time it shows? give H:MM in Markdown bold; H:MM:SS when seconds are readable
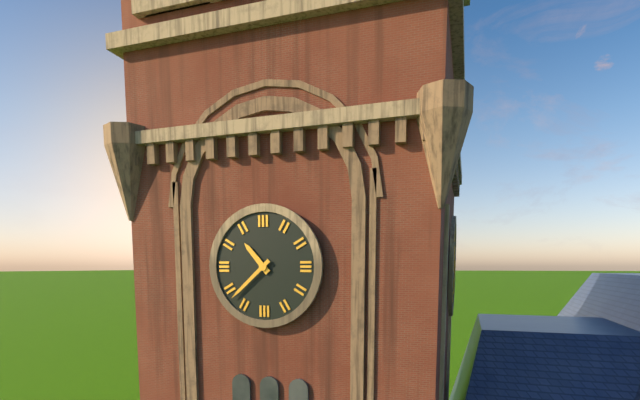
**10:38**
